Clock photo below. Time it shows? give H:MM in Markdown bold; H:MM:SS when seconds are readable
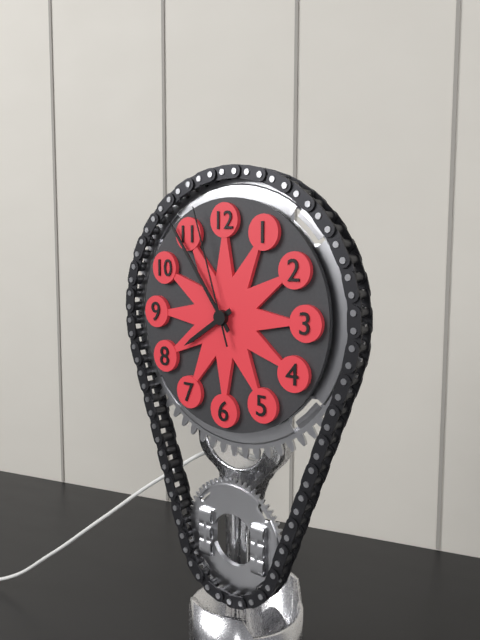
**7:54:57**
